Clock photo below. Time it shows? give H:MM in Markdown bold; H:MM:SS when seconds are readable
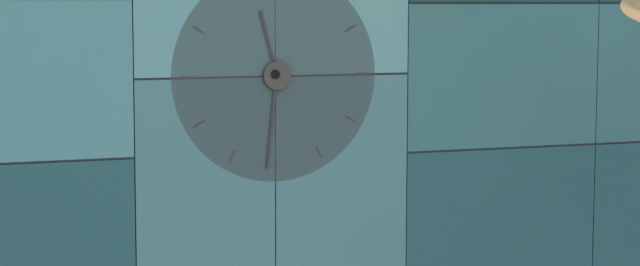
**11:31**
